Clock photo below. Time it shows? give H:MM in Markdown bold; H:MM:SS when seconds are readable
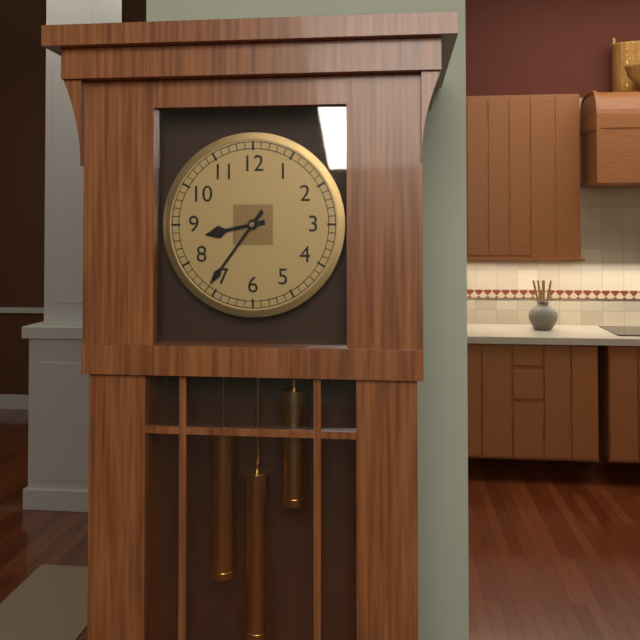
**8:36**
